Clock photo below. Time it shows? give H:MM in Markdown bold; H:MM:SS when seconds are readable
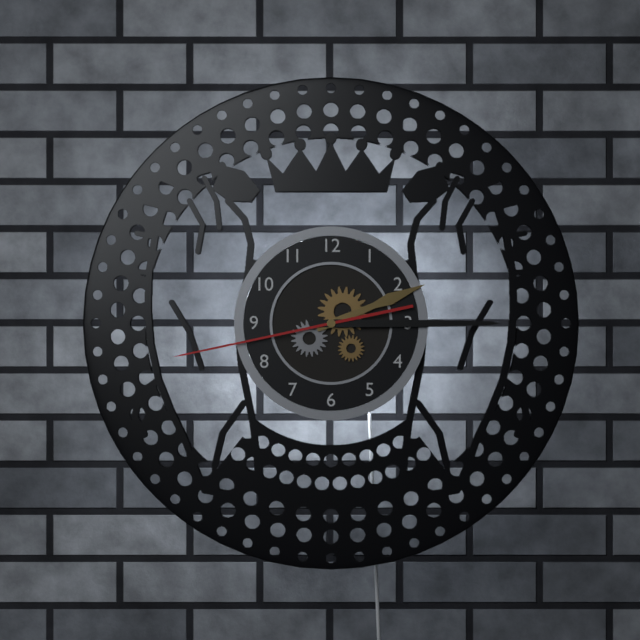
**2:15:43**
